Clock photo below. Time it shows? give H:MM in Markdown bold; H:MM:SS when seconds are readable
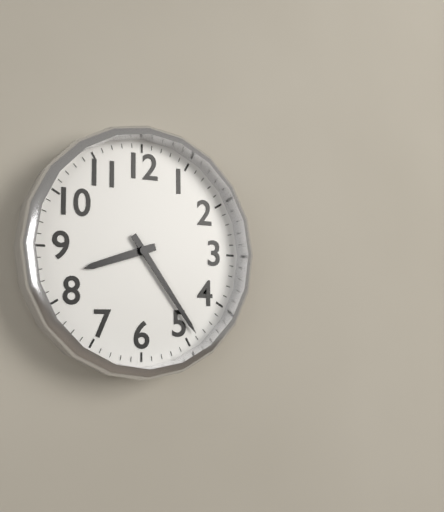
**8:24**
